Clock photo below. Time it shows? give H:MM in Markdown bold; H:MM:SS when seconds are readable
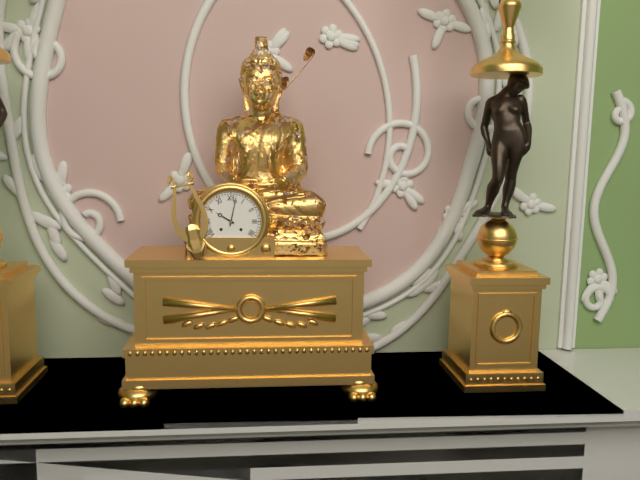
**10:02**
